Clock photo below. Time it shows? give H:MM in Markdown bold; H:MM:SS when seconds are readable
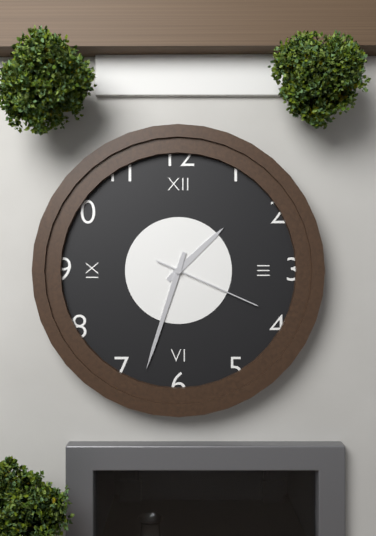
**1:33:19**
